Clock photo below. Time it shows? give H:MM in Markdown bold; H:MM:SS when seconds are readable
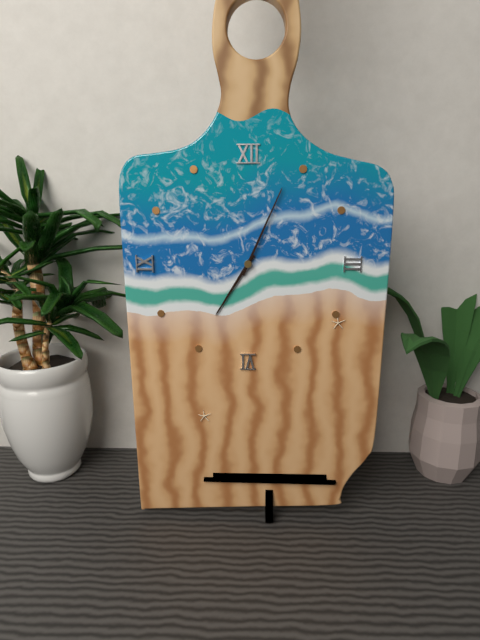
**7:04**
